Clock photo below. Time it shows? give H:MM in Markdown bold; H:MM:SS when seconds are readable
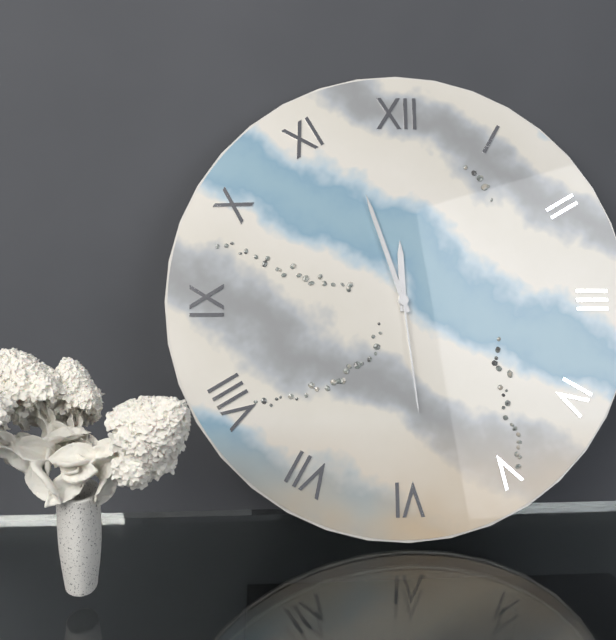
**11:57:29**
